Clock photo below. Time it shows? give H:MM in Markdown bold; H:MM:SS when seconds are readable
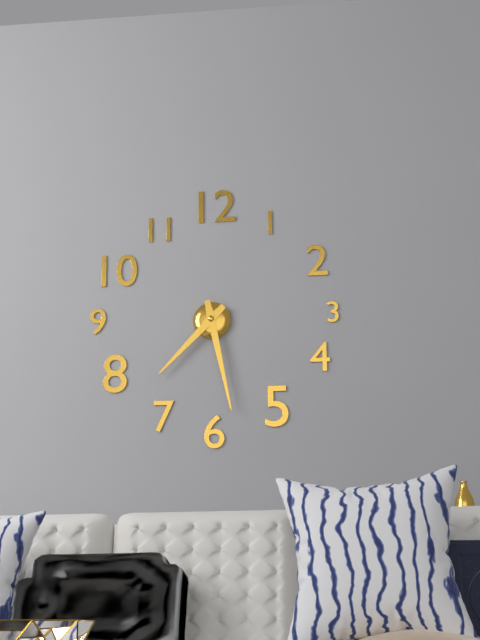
**7:28**
